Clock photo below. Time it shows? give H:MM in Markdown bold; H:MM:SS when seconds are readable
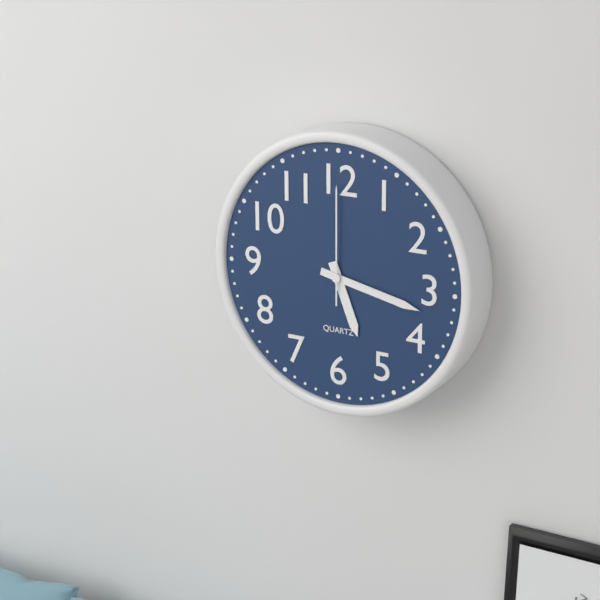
**5:17:00**
